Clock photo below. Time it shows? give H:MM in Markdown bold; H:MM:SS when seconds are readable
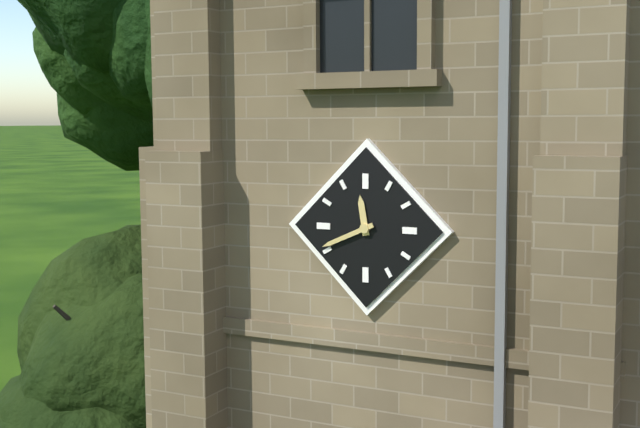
**11:41**
